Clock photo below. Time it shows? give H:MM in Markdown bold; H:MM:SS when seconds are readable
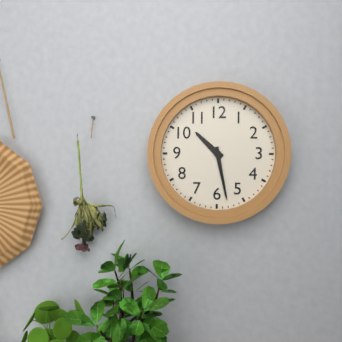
**10:28**
